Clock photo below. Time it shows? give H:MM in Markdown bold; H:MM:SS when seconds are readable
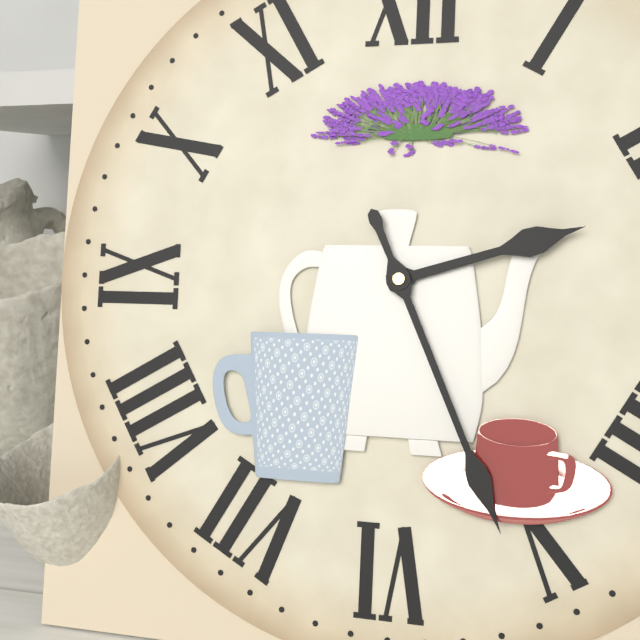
**2:26**
